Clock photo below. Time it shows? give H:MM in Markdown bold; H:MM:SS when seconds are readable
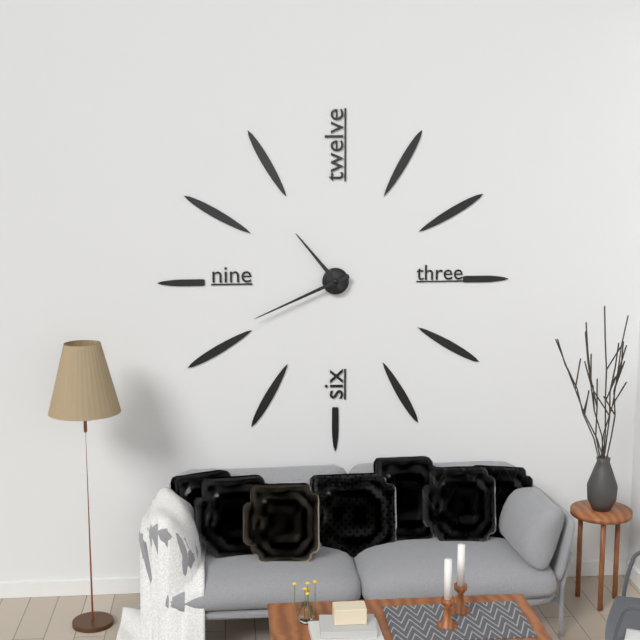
**10:41**
